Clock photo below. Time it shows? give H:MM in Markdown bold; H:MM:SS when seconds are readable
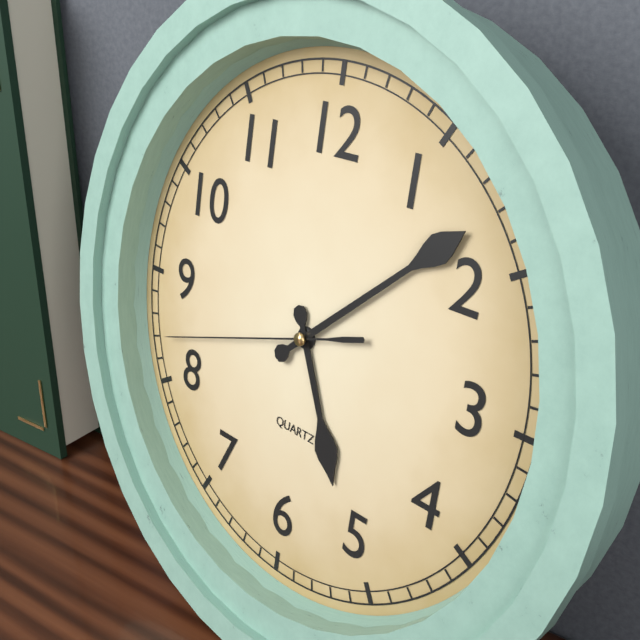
**5:08:42**
